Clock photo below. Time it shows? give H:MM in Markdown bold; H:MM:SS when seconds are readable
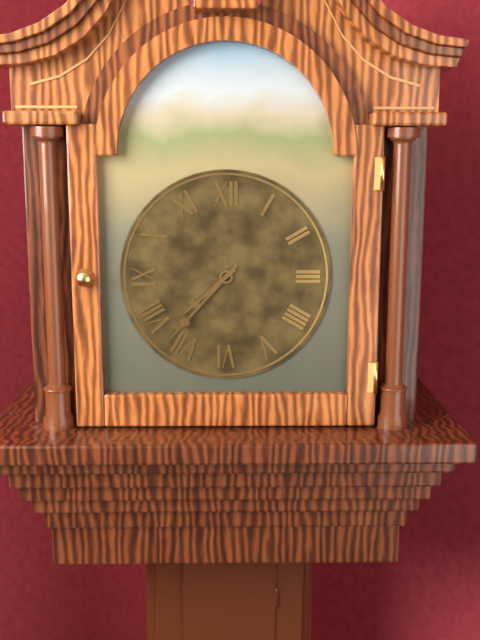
**7:37**
